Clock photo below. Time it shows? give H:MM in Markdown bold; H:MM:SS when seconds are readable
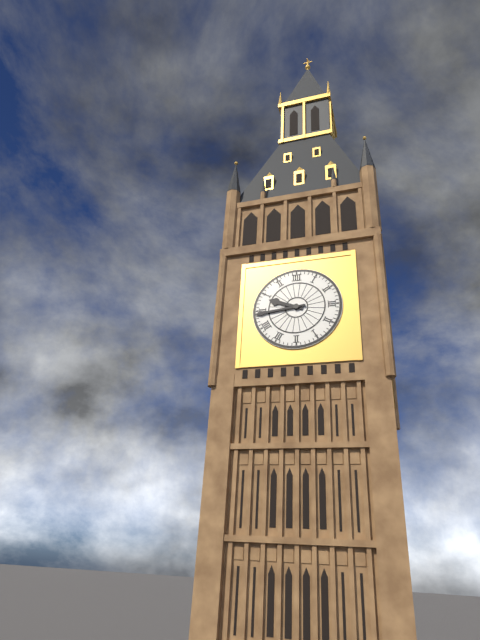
**9:44**
